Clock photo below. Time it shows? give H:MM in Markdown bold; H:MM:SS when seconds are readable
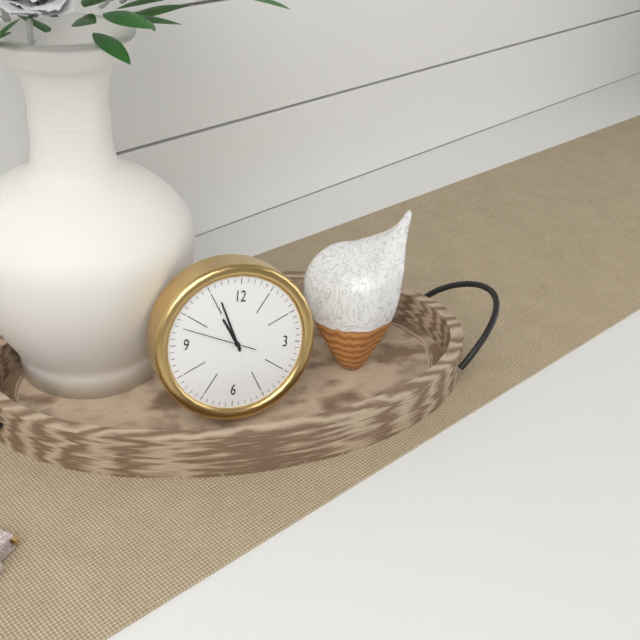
**10:56:48**
